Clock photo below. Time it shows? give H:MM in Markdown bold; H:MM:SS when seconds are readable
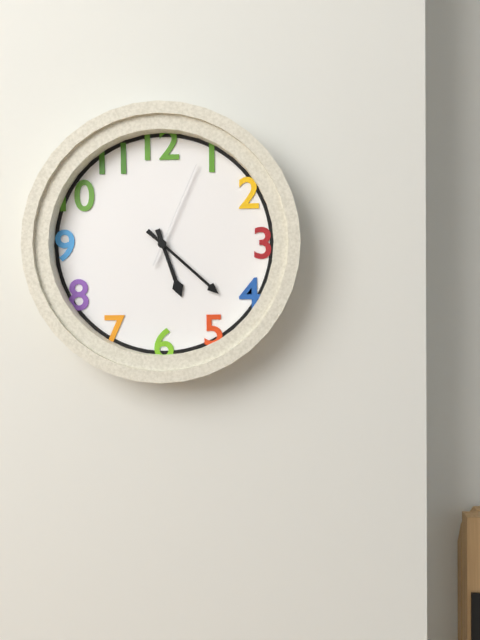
**5:22:04**
